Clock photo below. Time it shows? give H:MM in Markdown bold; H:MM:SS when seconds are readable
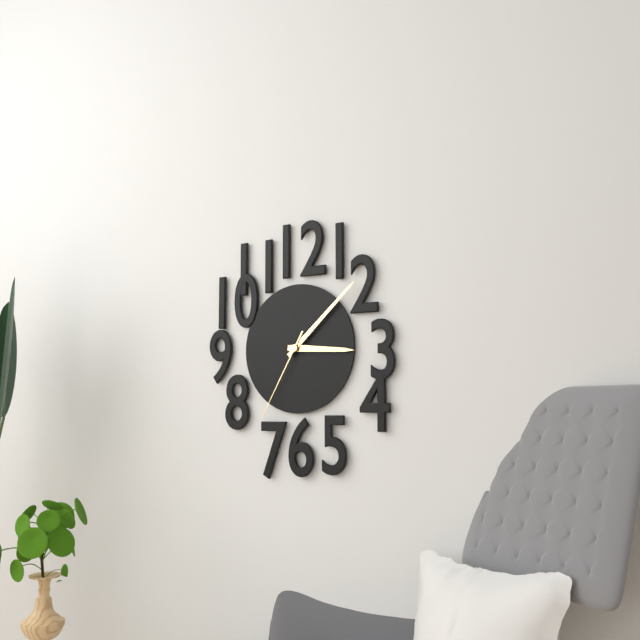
**3:08:35**
